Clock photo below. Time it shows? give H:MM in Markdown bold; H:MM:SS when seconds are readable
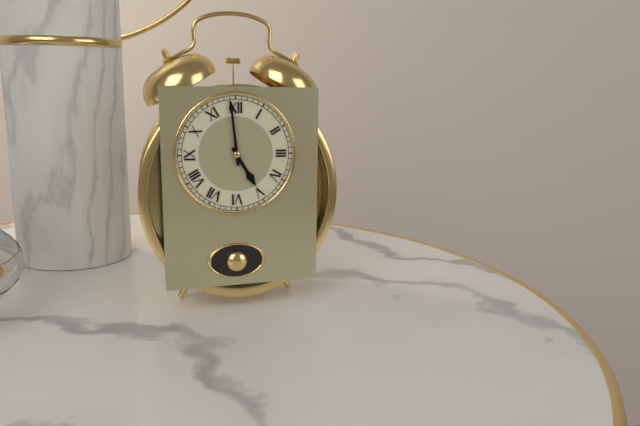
**4:59**
